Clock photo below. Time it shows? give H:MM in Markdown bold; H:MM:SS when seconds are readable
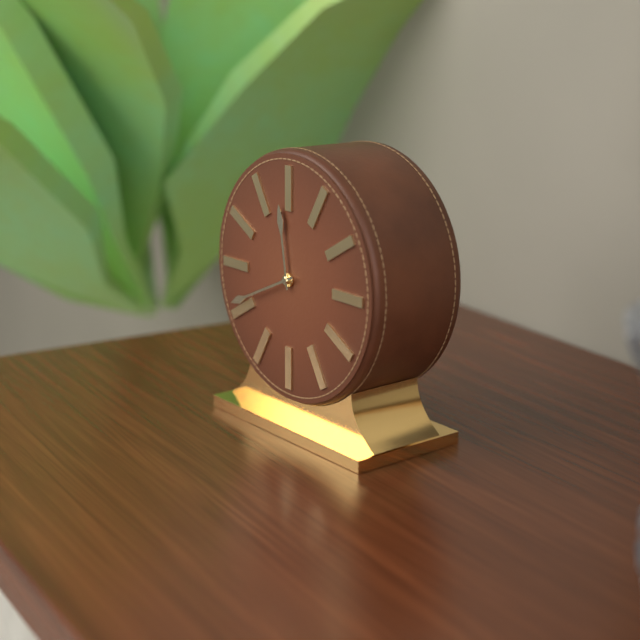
**11:41**
